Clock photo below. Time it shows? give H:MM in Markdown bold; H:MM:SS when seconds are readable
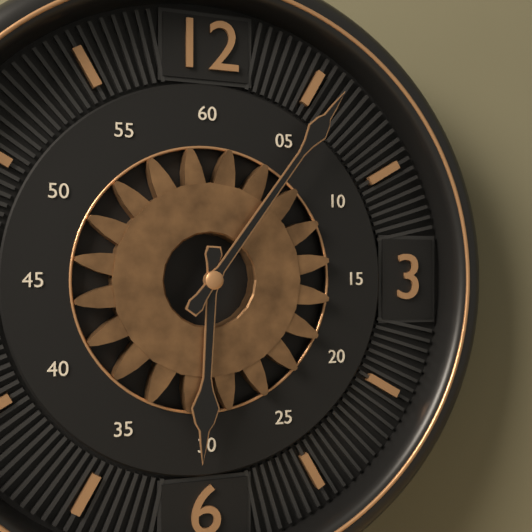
**6:06**
